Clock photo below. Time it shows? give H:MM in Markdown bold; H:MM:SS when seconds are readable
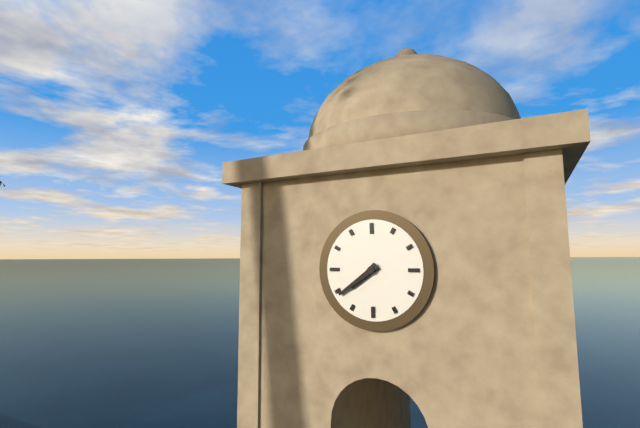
**7:39**
